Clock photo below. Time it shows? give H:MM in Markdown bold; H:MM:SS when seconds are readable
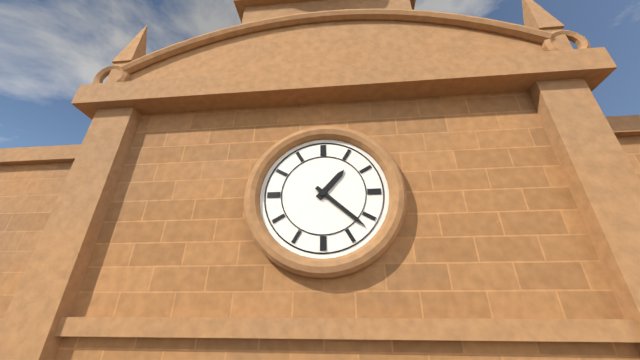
**1:22**
